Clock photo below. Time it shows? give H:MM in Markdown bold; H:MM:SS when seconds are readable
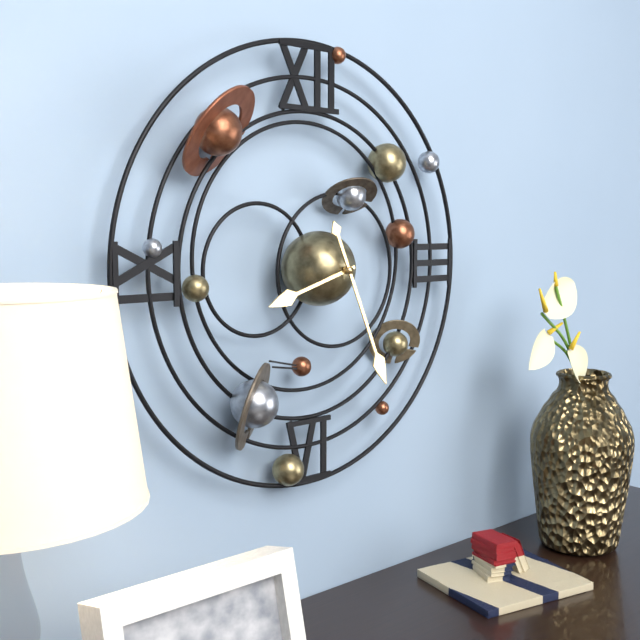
**8:26**
